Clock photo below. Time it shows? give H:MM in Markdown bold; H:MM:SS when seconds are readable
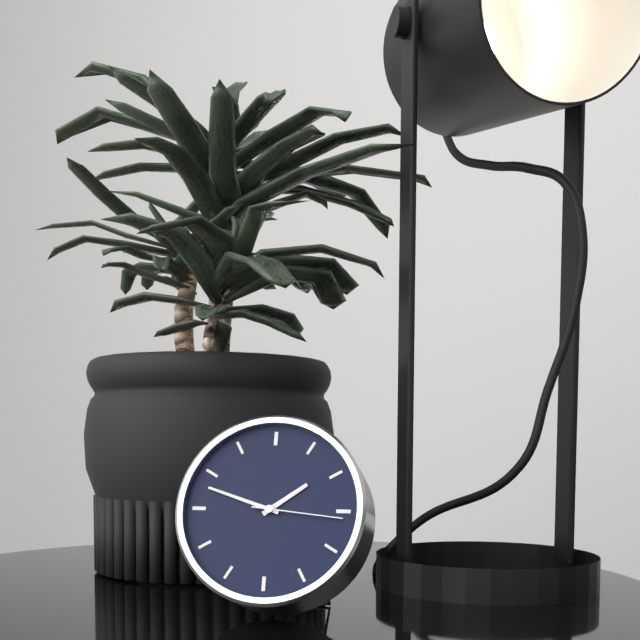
**1:48:16**
